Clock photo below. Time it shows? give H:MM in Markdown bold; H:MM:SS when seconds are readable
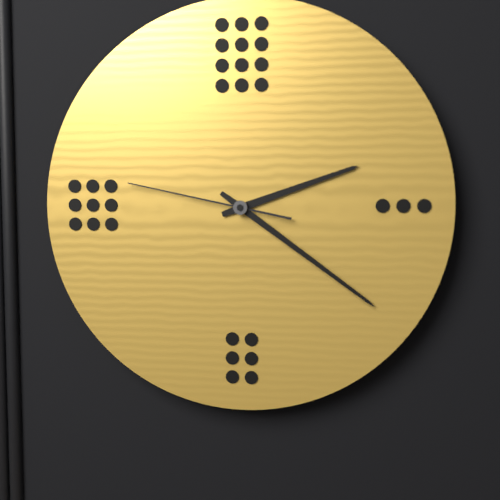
**2:21:47**
